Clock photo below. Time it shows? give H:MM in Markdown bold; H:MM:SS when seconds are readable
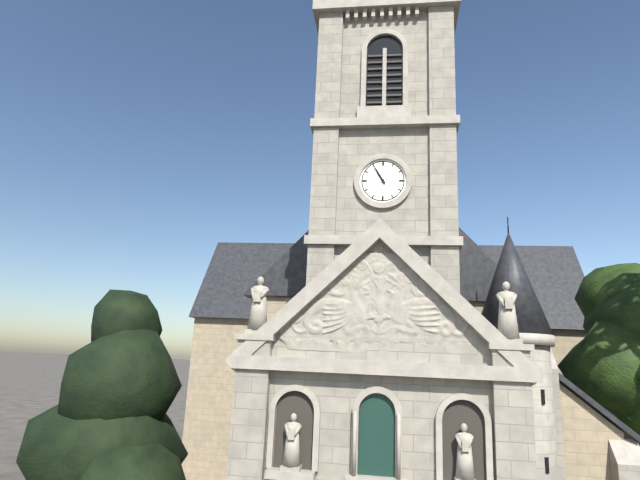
**10:55**
